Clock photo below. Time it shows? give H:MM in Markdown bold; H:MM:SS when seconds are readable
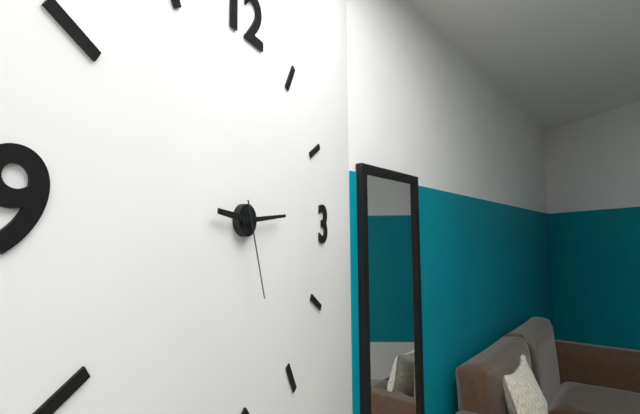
**9:14:27**
